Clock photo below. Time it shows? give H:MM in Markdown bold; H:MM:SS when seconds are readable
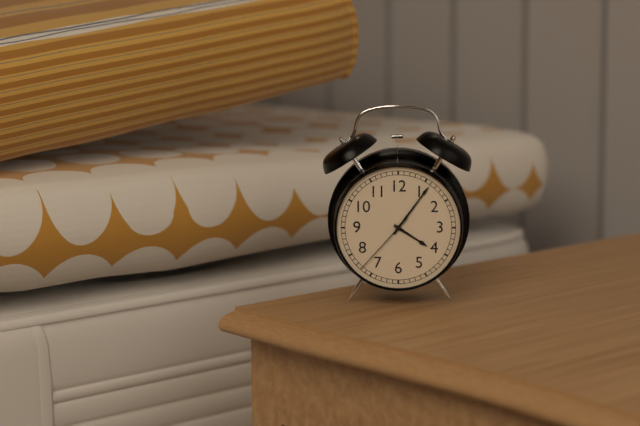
**4:06:37**
